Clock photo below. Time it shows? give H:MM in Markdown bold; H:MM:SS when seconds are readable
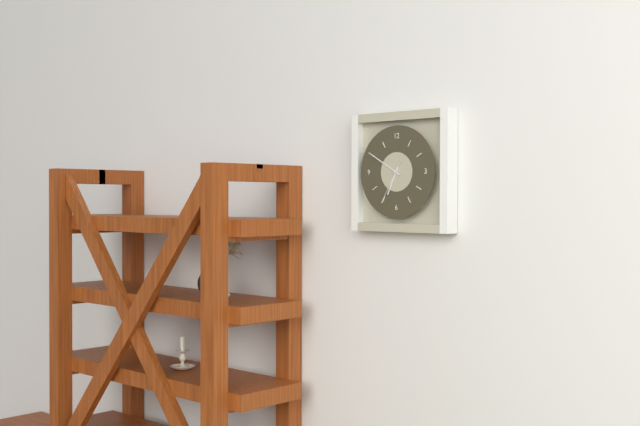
**6:50**
